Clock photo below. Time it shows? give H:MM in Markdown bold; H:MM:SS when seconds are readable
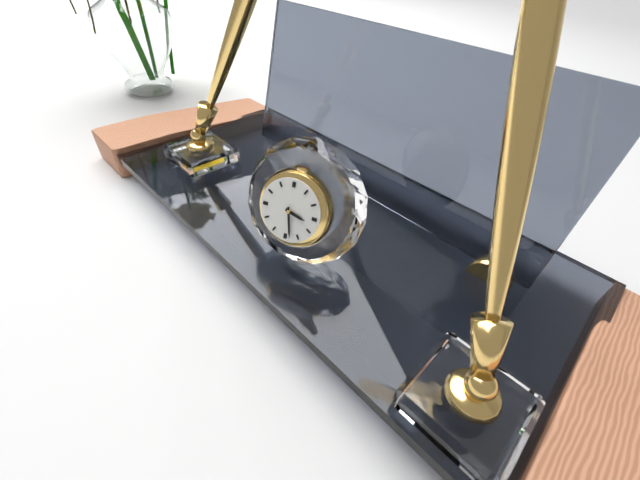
**3:28**
